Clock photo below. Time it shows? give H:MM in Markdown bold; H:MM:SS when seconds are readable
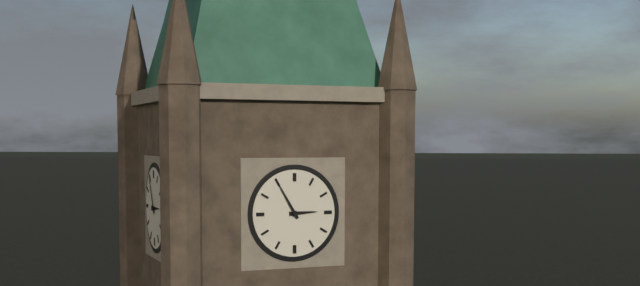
**2:55**
